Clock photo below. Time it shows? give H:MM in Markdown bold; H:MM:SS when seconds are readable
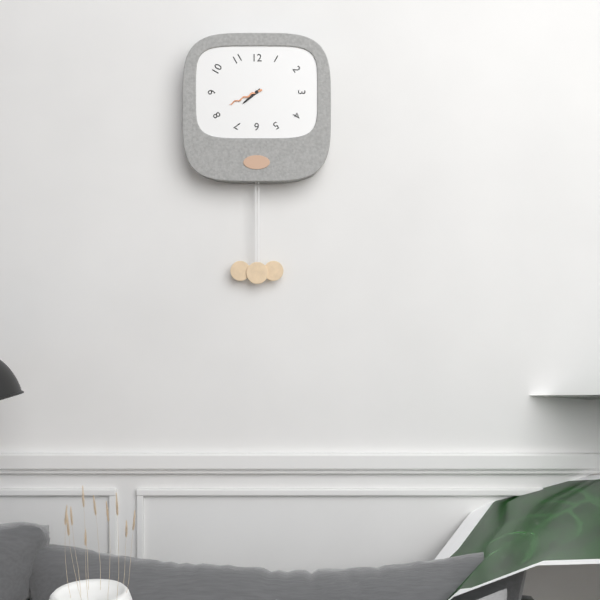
**7:41**
